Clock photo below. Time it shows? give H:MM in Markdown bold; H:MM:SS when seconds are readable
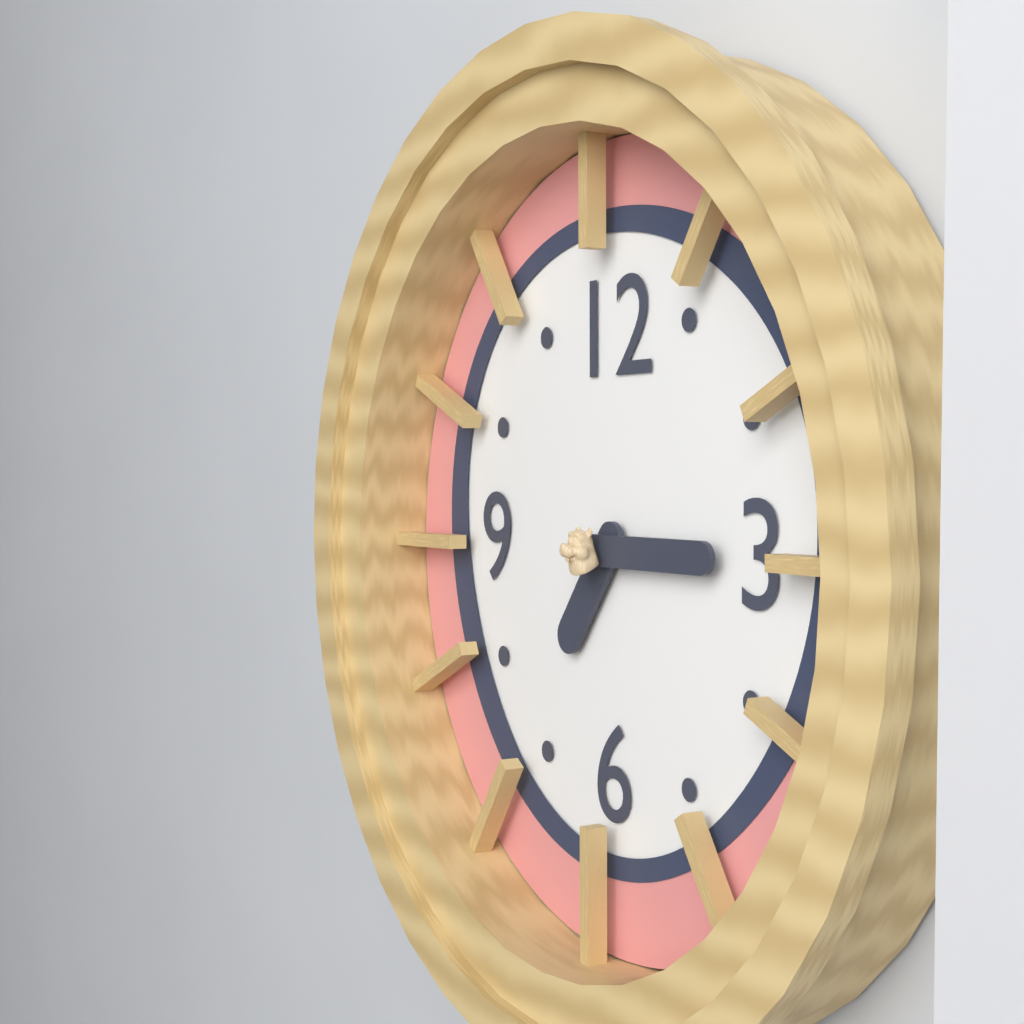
**7:15**
